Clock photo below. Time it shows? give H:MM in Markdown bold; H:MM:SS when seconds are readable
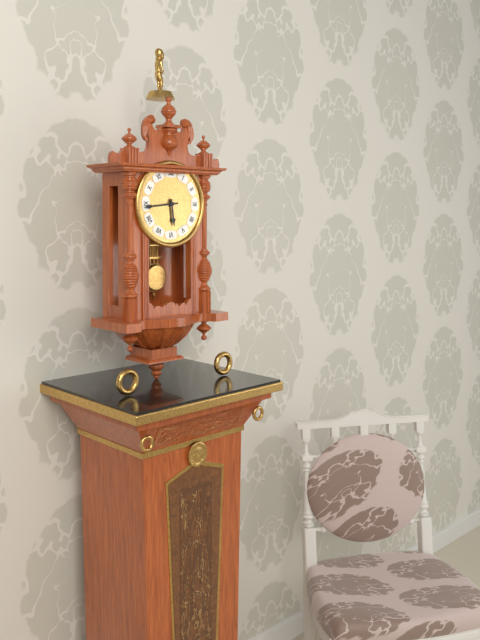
**5:44**
